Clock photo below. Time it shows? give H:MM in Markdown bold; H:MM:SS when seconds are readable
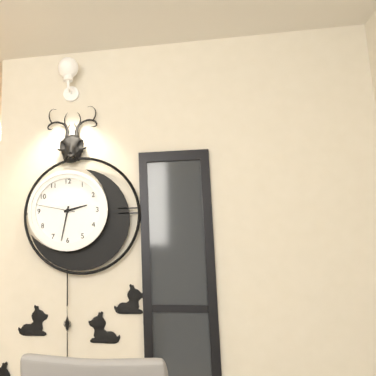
**2:32**
